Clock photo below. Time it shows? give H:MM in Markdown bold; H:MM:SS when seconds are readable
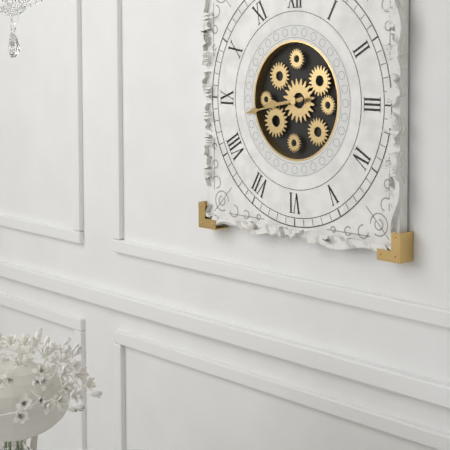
**8:43**
